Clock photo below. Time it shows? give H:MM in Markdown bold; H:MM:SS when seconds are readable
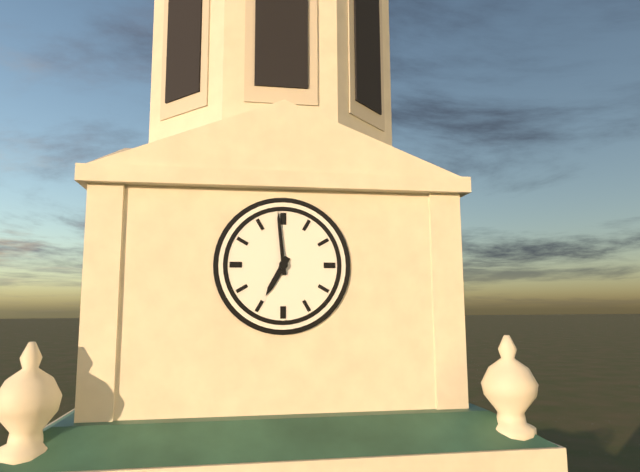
**6:59**
